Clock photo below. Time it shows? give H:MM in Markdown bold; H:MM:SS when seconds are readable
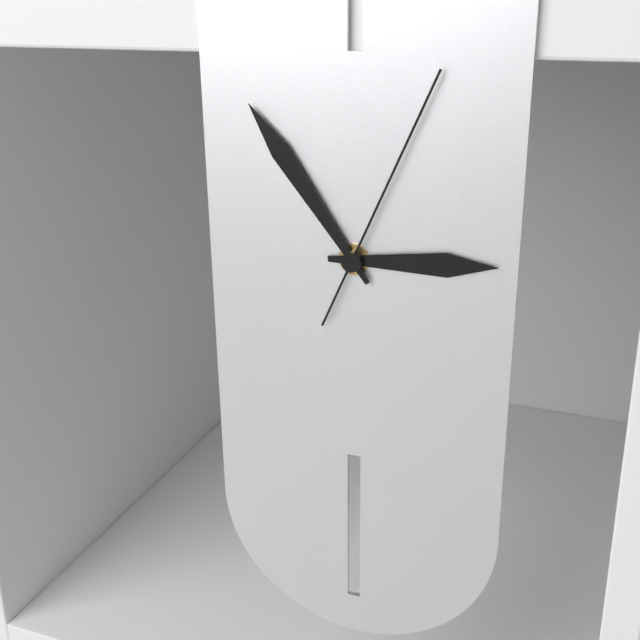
**2:54:04**
